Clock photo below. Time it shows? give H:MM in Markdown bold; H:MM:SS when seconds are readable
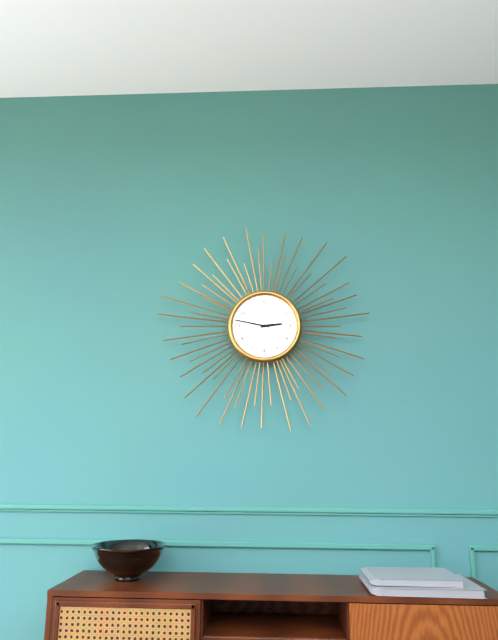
**2:47**
